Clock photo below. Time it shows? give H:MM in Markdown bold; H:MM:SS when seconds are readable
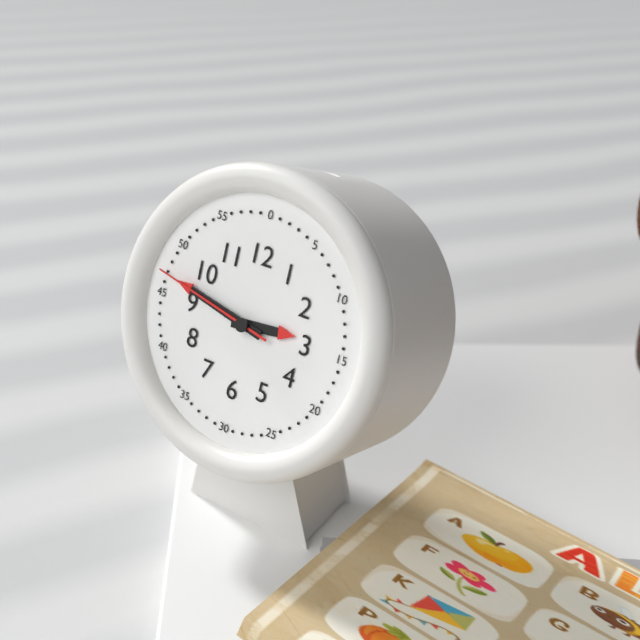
**2:47:47**
